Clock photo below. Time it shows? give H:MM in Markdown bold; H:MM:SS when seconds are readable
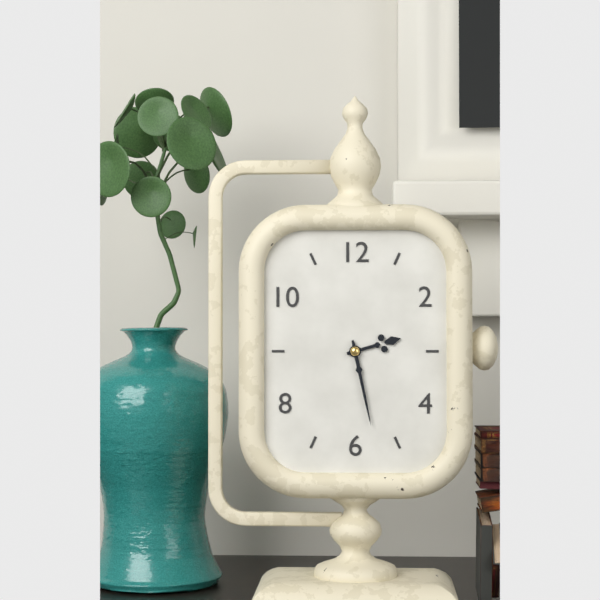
**2:28**
